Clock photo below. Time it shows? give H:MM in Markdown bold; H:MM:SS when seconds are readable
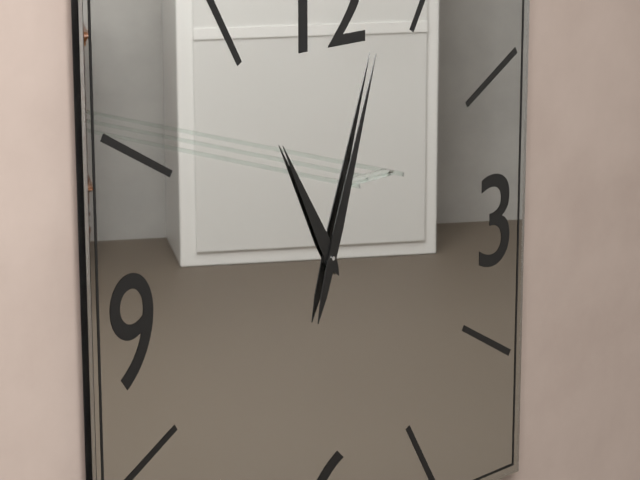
**11:03**
